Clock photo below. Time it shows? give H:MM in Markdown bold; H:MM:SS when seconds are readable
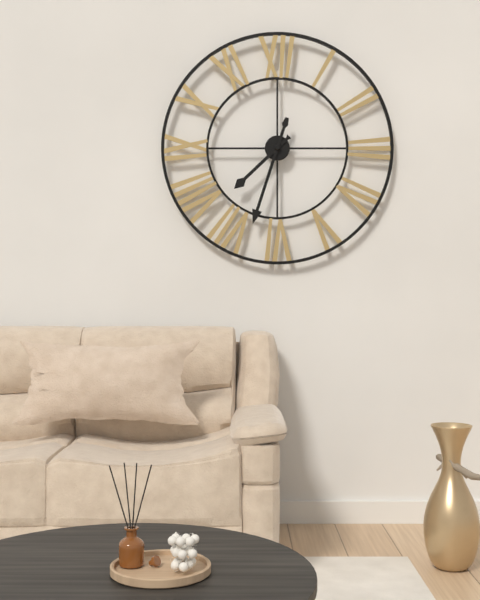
**7:33**
